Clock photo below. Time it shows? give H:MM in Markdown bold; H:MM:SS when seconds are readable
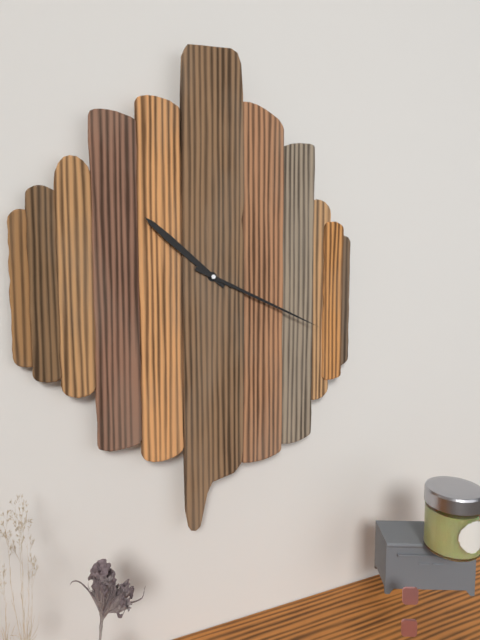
**10:19**
